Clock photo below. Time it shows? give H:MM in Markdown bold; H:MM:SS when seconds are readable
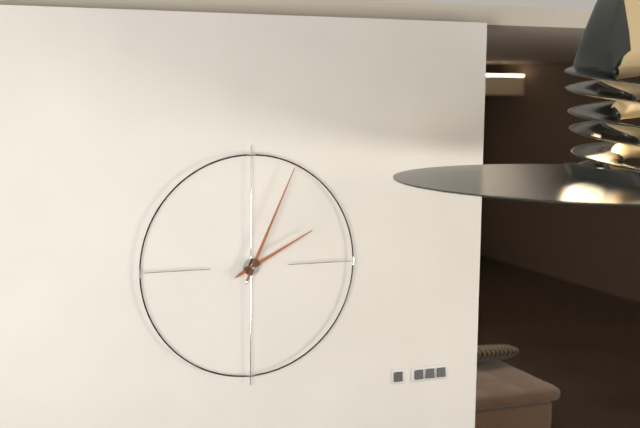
**2:04**
